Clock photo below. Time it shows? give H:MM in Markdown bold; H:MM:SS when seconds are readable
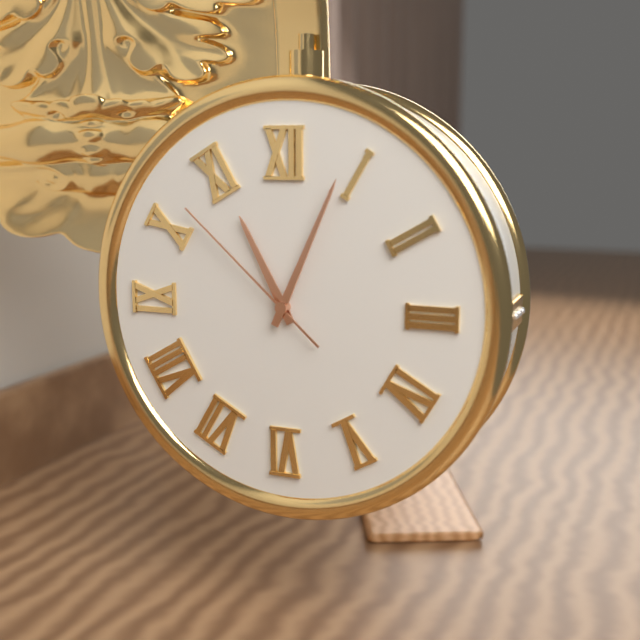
**11:04:52**
